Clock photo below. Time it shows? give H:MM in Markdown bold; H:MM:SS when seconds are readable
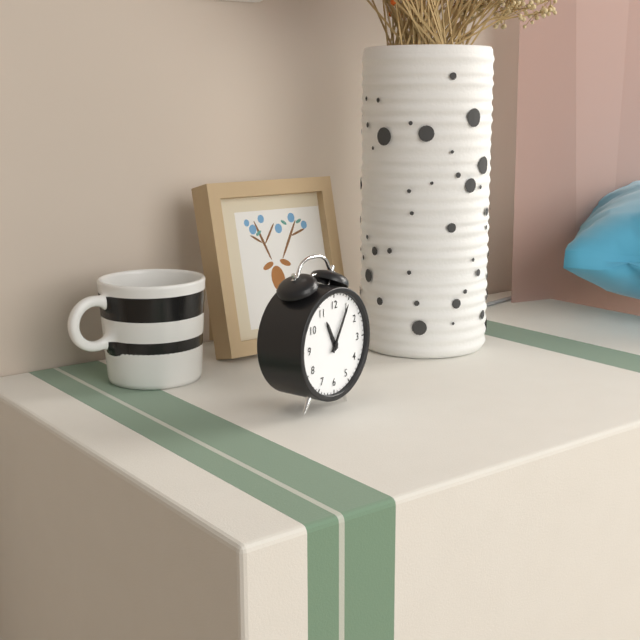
**11:05**
